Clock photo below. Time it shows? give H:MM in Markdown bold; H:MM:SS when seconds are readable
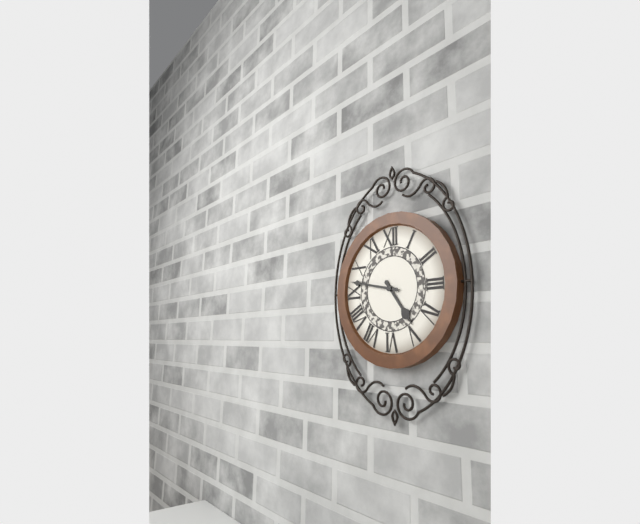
**4:47**
